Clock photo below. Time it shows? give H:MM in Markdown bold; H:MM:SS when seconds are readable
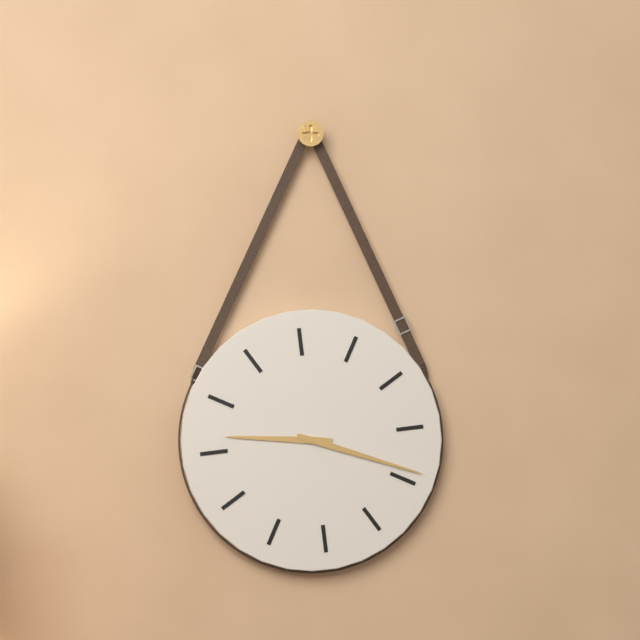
**9:19**
